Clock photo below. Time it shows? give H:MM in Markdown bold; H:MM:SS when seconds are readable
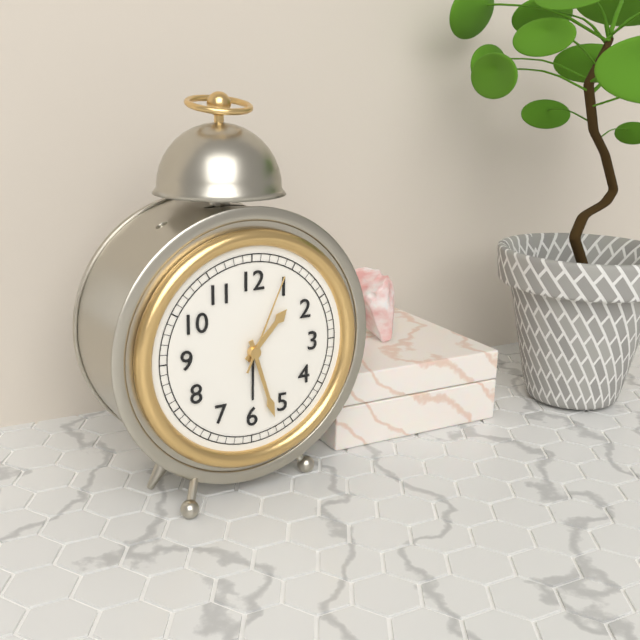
**1:27:04**
